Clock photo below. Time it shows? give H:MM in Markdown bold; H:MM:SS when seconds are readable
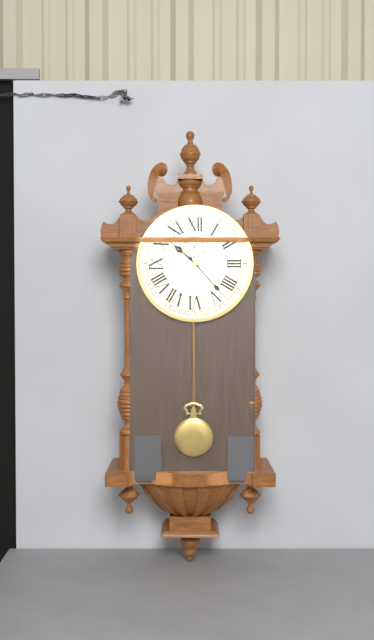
**10:23**
